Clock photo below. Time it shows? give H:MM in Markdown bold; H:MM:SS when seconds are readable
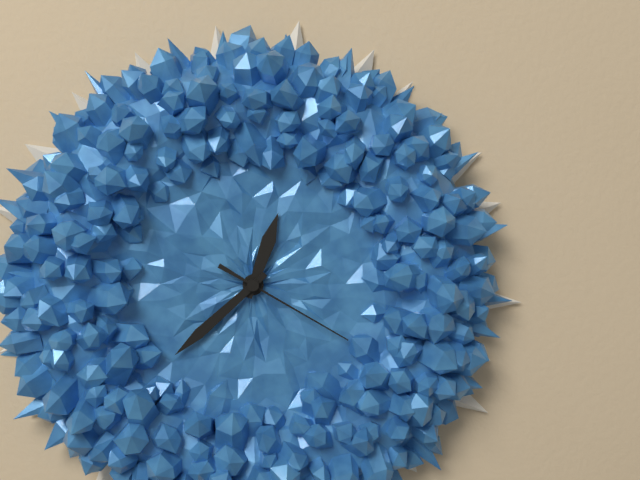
**12:38:20**
